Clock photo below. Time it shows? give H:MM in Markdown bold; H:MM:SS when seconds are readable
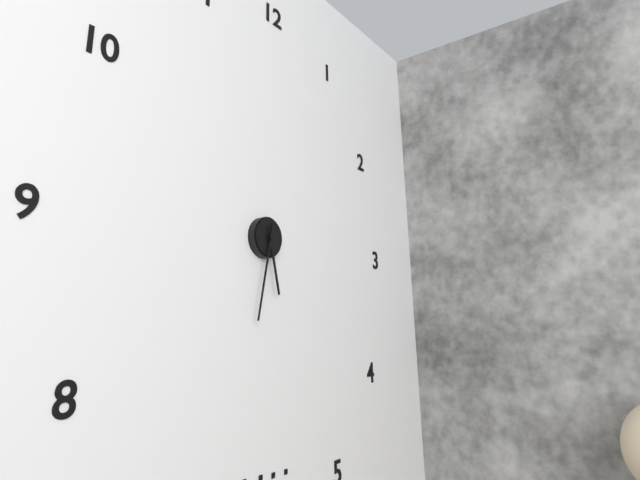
**5:32**
